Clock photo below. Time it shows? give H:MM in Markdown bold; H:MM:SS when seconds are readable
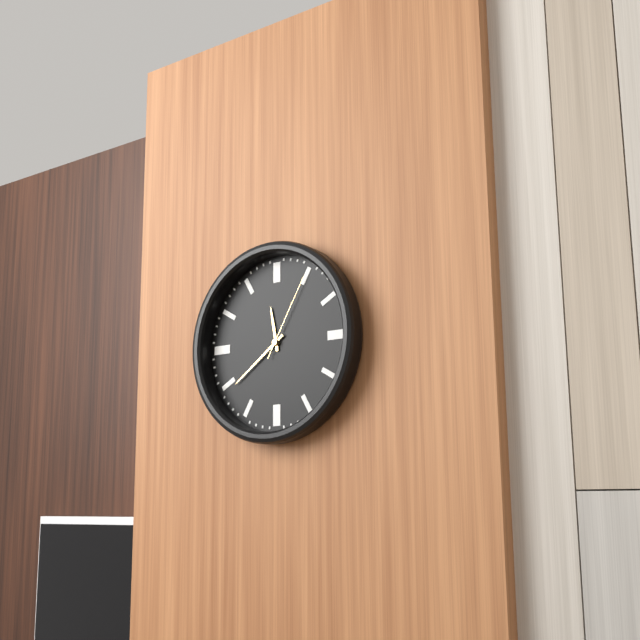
**11:39:05**
